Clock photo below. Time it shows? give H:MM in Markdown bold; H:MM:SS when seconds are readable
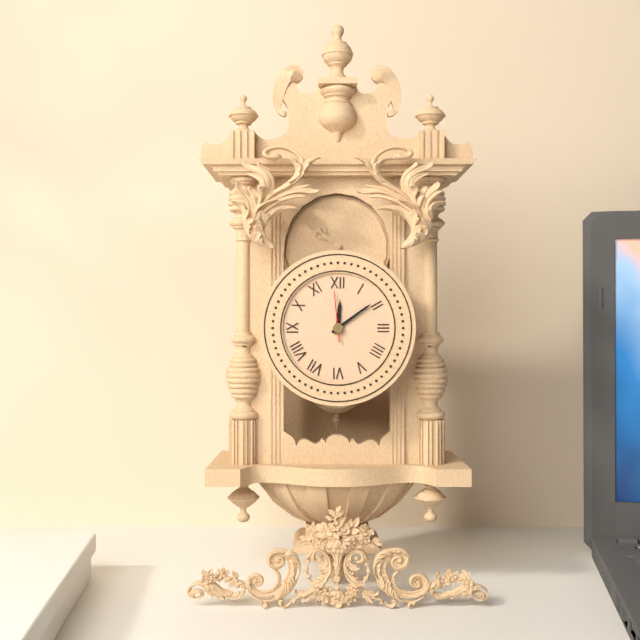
**12:09**
